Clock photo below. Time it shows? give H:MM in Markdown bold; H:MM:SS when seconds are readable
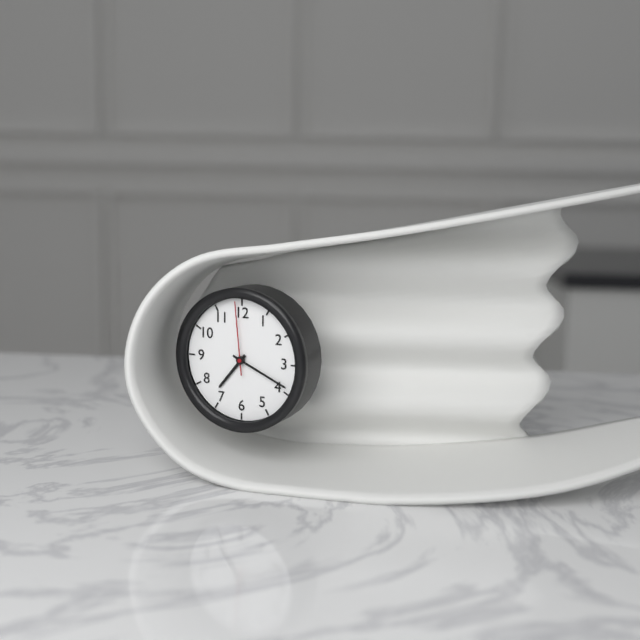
**7:19:59**
